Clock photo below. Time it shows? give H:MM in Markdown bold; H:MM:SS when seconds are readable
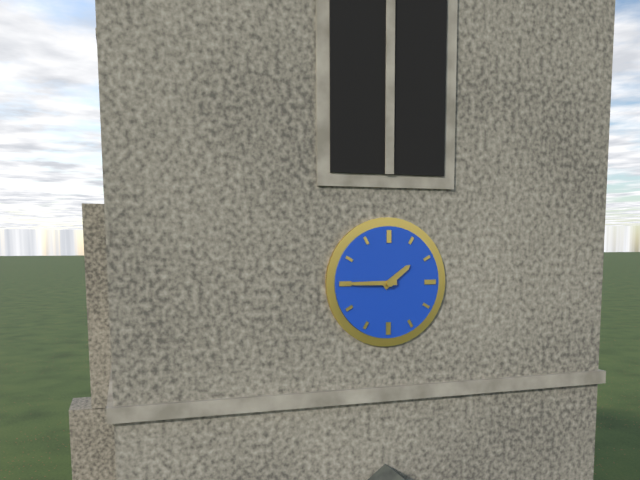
**1:45**
